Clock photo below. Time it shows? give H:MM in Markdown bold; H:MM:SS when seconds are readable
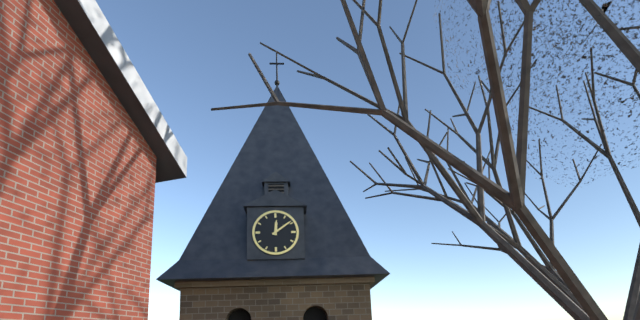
**12:09**
